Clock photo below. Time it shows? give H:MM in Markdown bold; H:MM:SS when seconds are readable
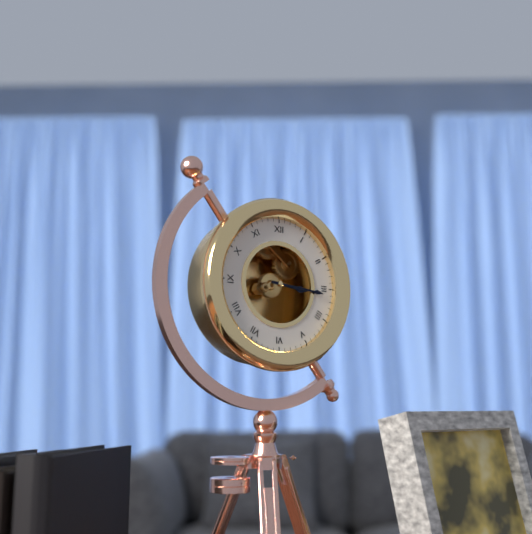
**3:16**
